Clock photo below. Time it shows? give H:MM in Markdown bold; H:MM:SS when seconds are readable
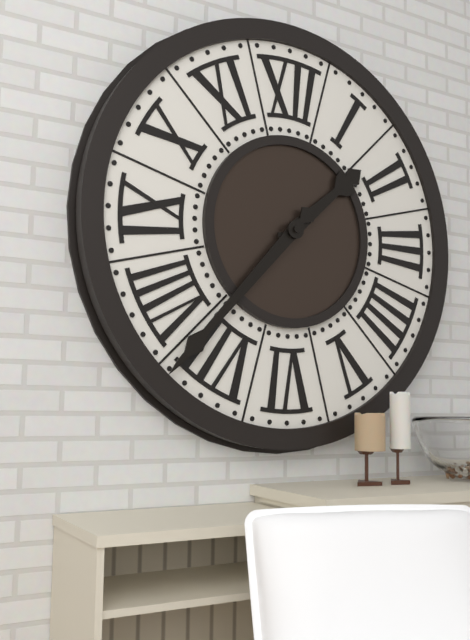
**1:37**
